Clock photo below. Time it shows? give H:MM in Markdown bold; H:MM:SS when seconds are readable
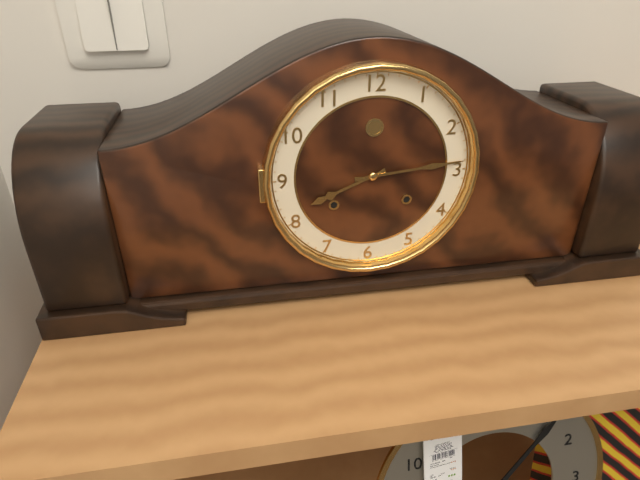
**8:14**
